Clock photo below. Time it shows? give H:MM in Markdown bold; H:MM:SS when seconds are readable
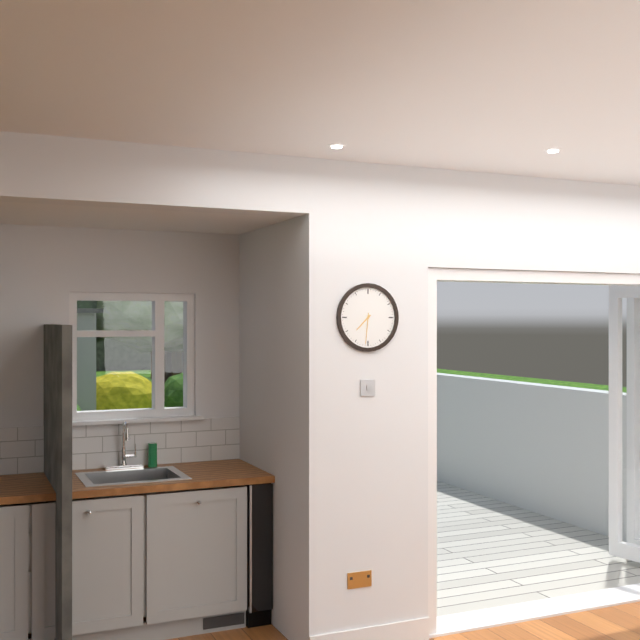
**7:31**
